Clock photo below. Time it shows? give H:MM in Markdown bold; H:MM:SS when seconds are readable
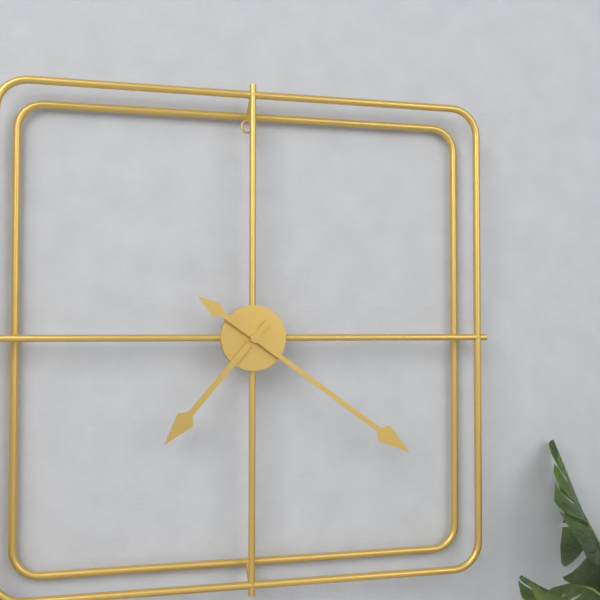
**7:21**
